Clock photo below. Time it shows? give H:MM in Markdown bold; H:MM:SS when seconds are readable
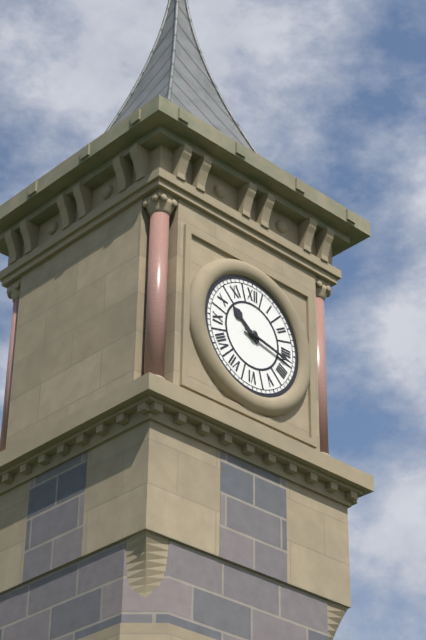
**10:17**
